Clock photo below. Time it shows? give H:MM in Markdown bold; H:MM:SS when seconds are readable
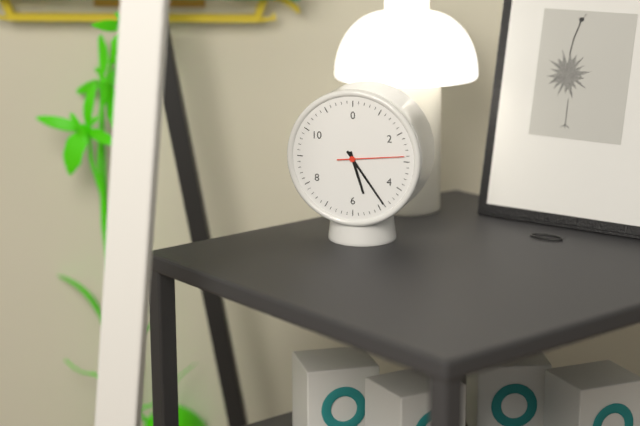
**5:24:14**
